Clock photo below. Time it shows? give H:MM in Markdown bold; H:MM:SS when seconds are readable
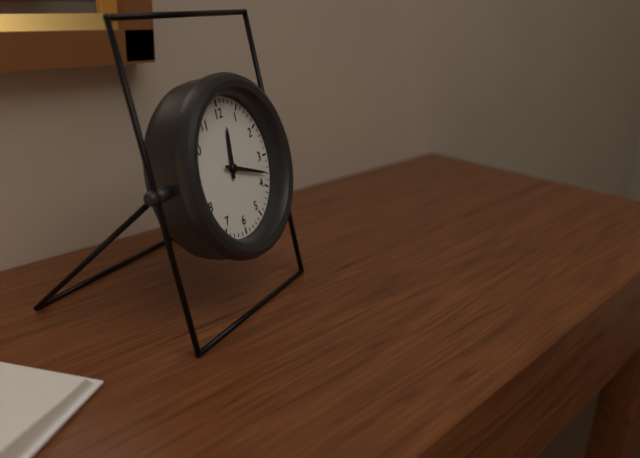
**12:18**
